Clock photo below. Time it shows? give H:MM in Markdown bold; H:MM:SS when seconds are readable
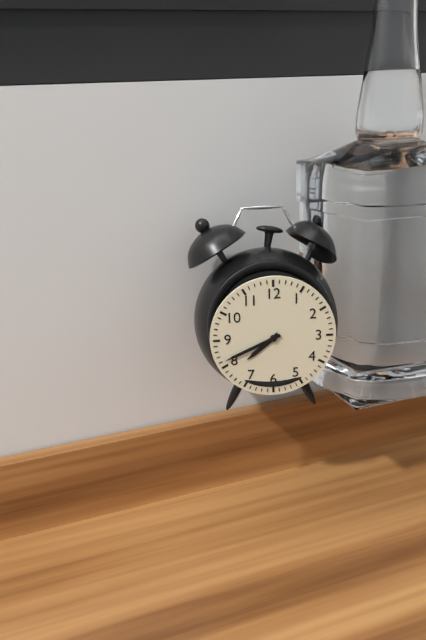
**7:41**
